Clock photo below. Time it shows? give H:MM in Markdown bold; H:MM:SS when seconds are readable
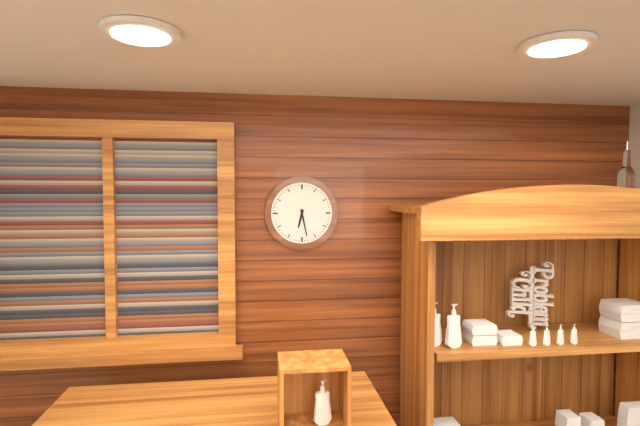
**6:28**
